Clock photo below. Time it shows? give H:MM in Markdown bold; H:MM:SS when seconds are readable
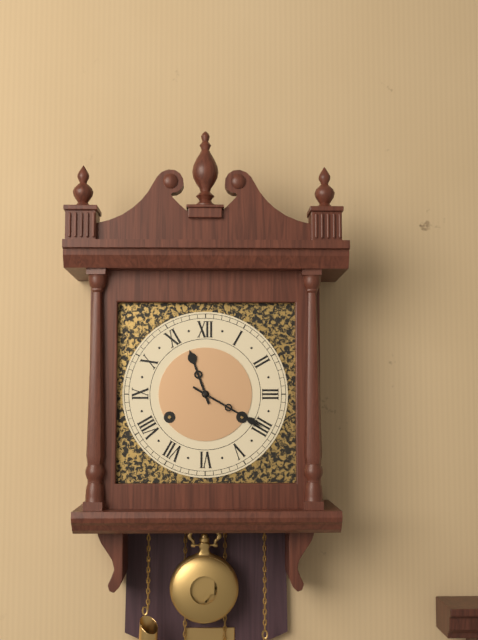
**11:20**
